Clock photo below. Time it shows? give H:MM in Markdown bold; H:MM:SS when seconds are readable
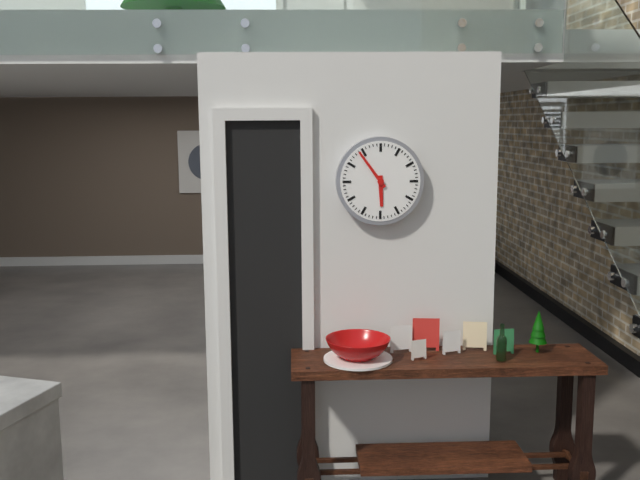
**5:54**
